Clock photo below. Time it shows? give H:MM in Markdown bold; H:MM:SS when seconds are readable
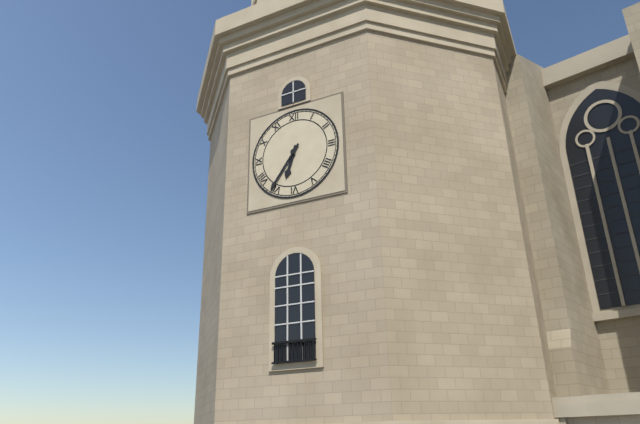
**6:36**
